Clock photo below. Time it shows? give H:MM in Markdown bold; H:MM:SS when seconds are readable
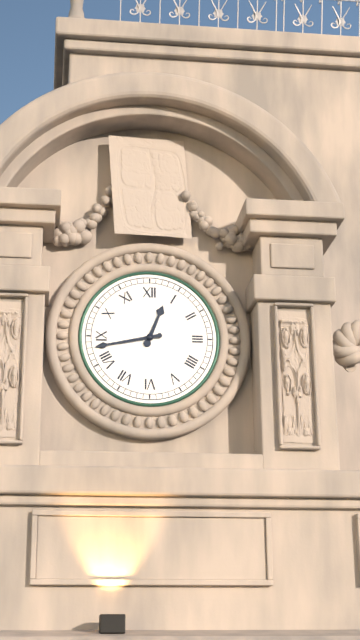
**12:43**
